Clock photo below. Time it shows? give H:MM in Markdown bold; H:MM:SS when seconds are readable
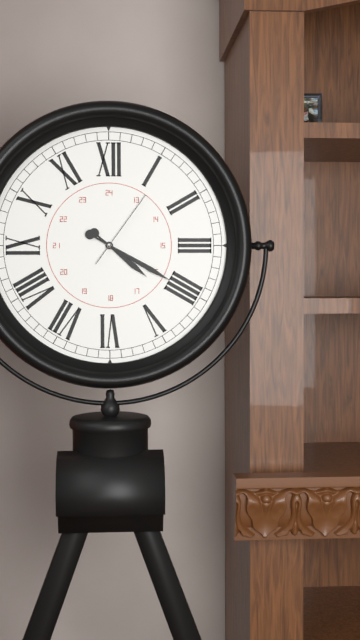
**4:20:06**
